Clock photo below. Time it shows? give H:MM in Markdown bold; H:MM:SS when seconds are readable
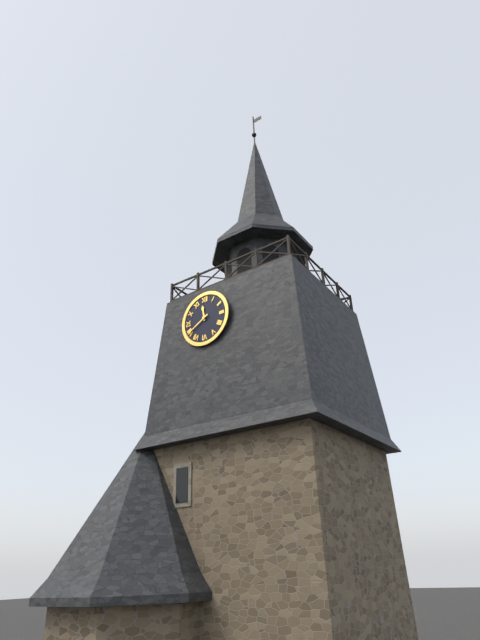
**11:40**
